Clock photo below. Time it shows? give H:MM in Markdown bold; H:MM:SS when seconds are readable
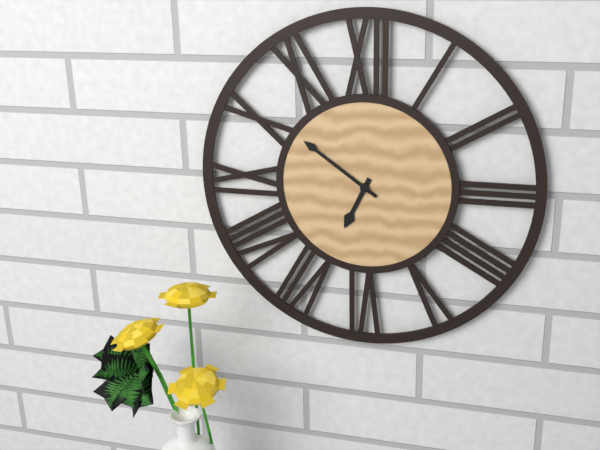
**6:51**
